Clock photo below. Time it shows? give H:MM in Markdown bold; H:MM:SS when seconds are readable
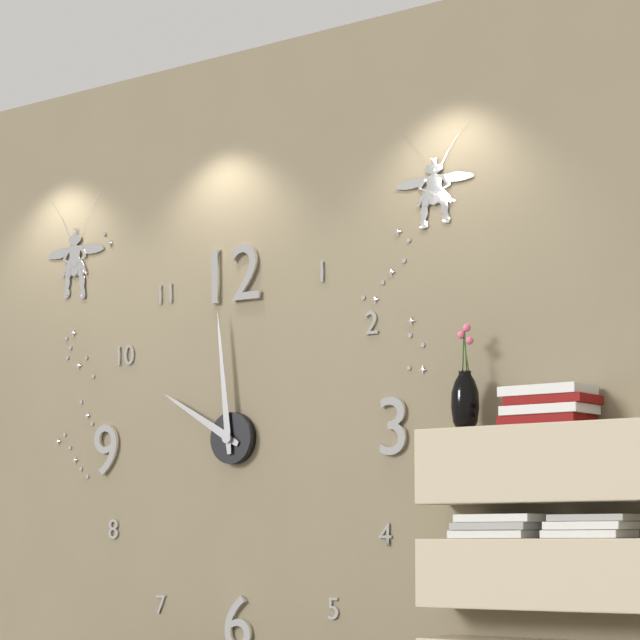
**9:59**
